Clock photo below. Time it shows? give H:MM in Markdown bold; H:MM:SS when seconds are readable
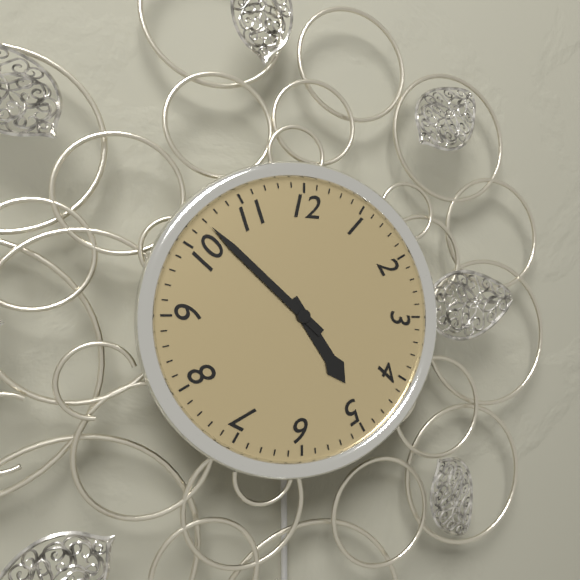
**4:52**
